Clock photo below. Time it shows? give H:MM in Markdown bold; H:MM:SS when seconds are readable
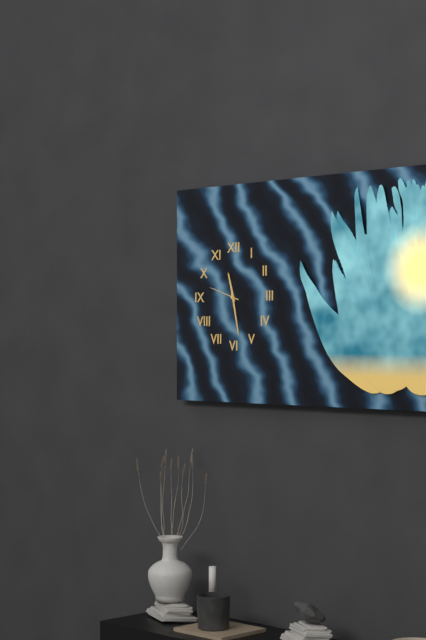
**11:28**
